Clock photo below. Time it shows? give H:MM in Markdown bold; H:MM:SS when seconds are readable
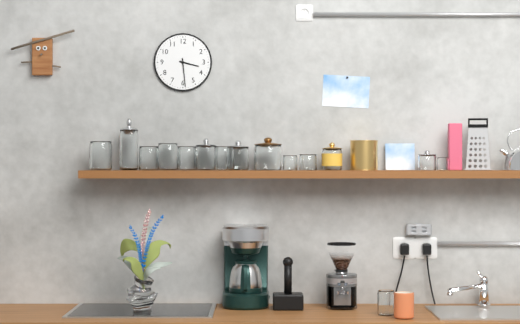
**3:29**
